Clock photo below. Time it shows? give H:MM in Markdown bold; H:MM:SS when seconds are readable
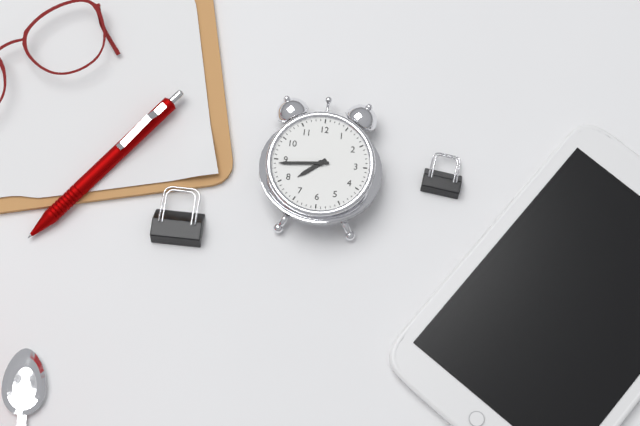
**7:44**
